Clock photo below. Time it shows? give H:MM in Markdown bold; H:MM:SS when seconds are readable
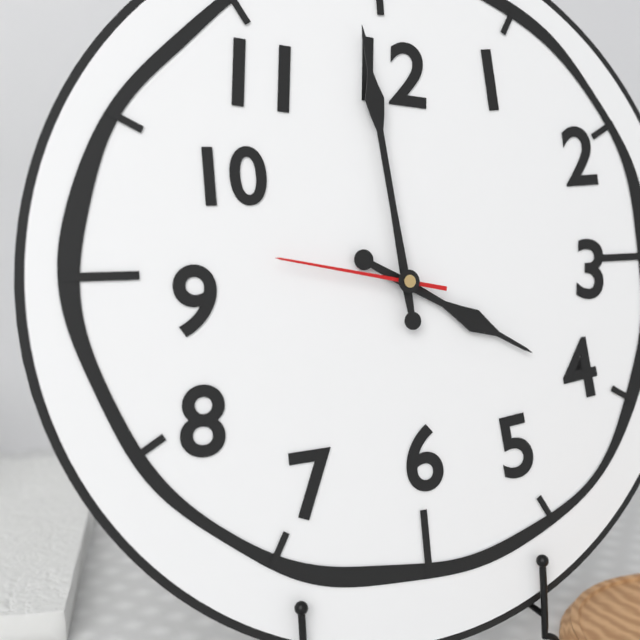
**3:59:47**
